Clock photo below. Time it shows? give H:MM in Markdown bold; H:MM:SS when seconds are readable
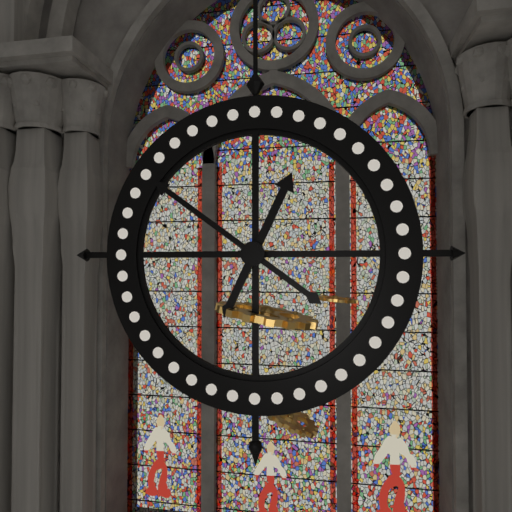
**12:51**
